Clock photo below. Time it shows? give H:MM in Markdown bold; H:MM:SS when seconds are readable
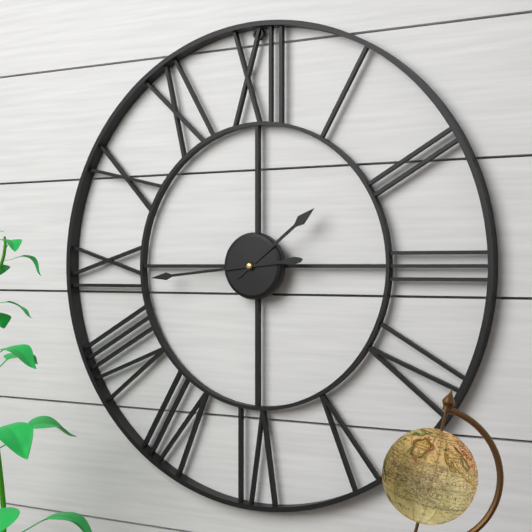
**1:44**
